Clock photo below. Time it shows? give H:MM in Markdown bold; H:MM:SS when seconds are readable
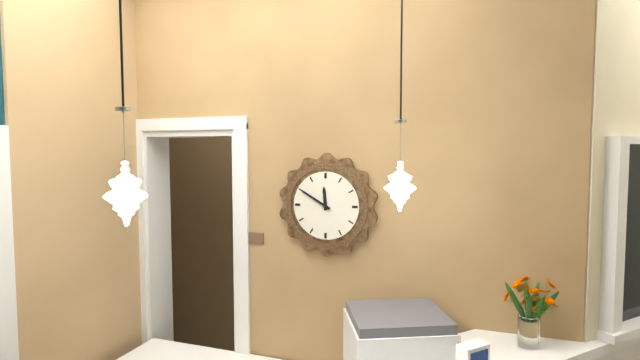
**11:50**
